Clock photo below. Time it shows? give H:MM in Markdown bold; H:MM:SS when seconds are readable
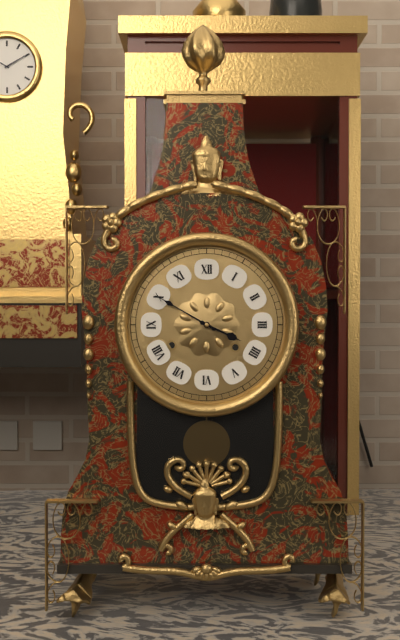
**3:50**
